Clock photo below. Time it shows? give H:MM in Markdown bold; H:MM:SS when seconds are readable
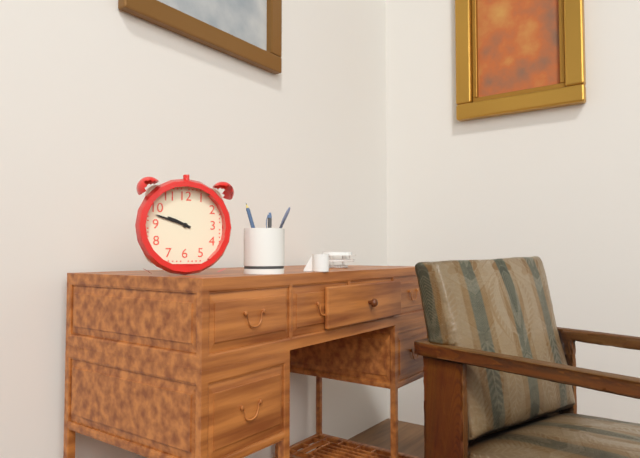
**9:48**
